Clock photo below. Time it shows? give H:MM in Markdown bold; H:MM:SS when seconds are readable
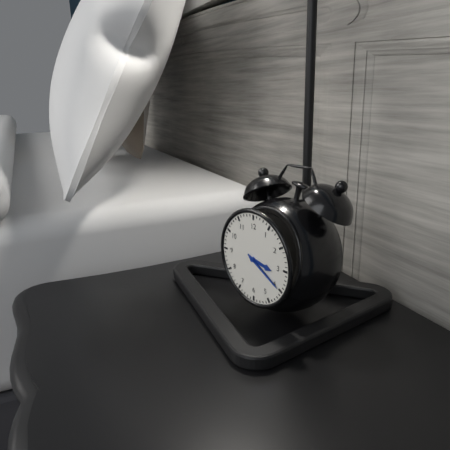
**3:20**
